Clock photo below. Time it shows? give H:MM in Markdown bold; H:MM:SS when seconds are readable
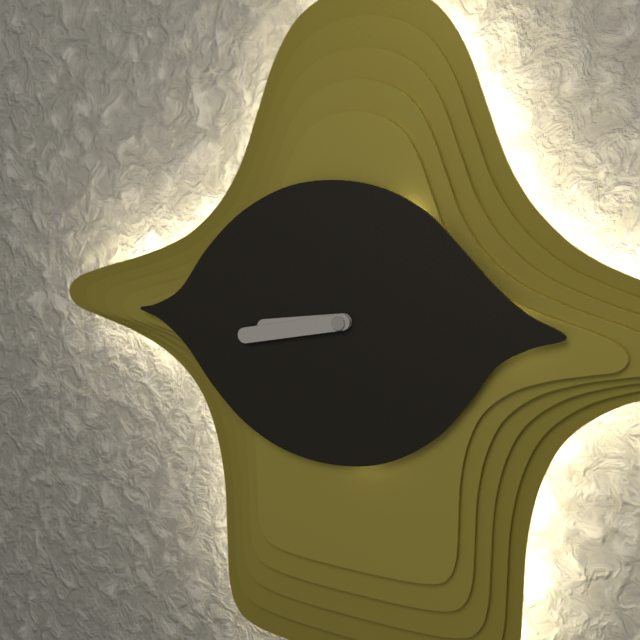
**8:43**
